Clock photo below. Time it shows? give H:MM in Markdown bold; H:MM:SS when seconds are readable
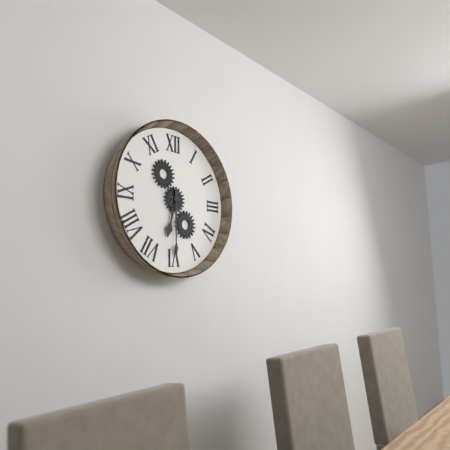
**6:30**
